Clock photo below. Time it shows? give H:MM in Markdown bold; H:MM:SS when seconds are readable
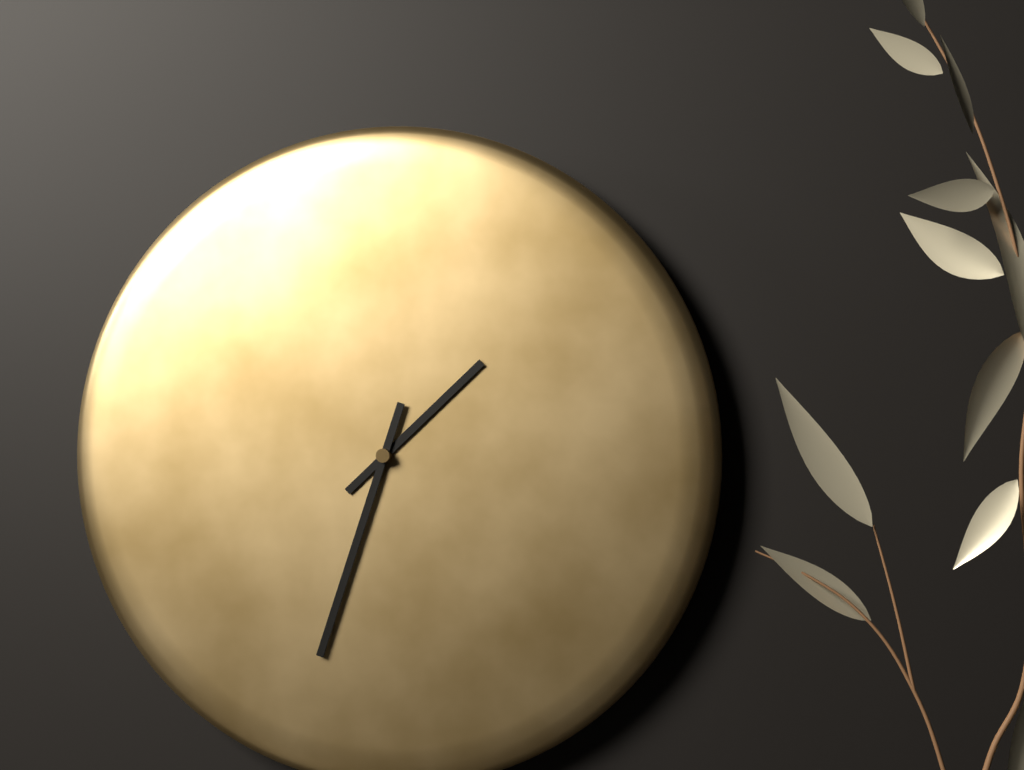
**1:33**
